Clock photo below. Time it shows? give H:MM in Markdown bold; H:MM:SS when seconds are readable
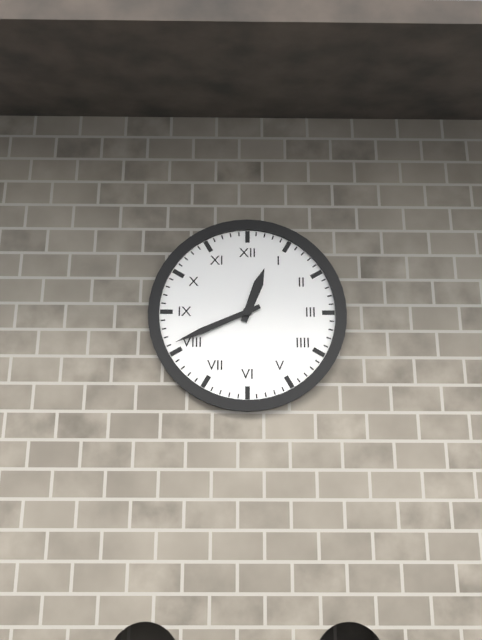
**12:41**
